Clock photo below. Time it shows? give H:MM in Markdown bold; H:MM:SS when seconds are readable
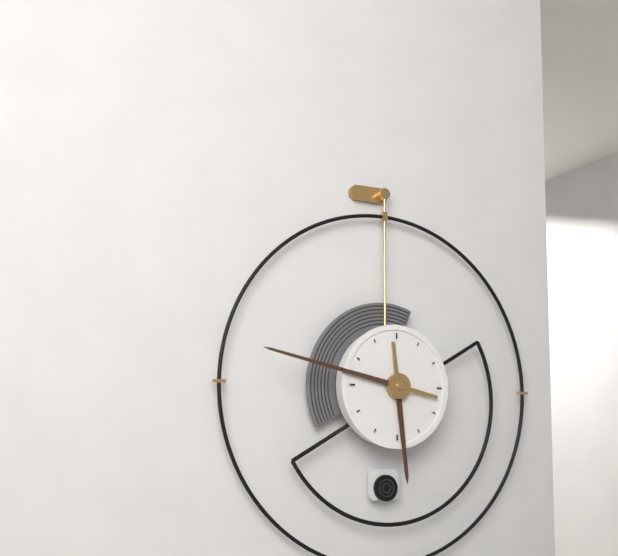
**5:47**
